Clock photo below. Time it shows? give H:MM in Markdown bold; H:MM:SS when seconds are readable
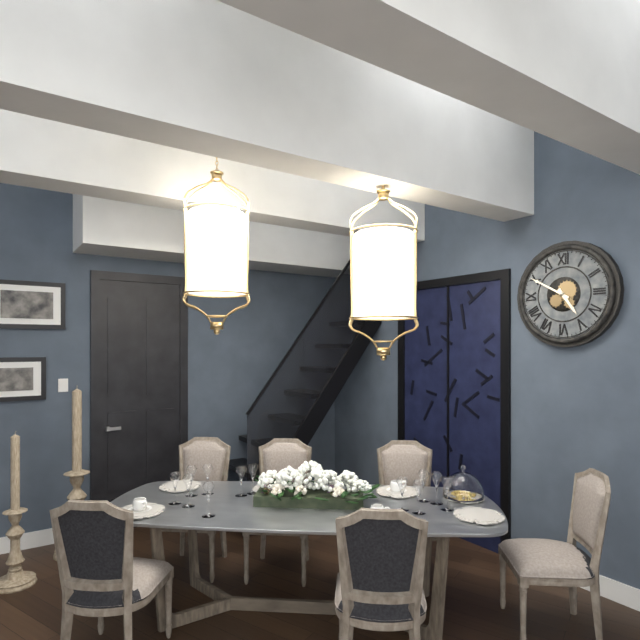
**4:50**
